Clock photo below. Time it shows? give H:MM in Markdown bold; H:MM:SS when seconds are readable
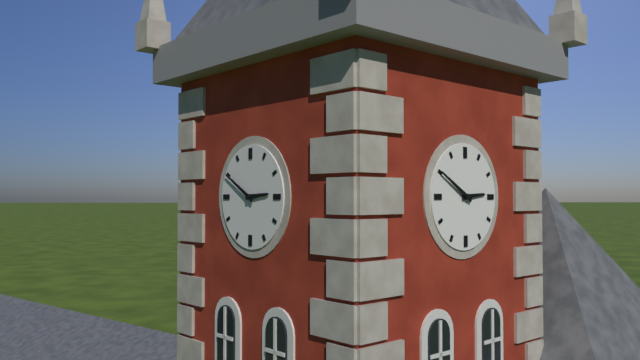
**2:50**
